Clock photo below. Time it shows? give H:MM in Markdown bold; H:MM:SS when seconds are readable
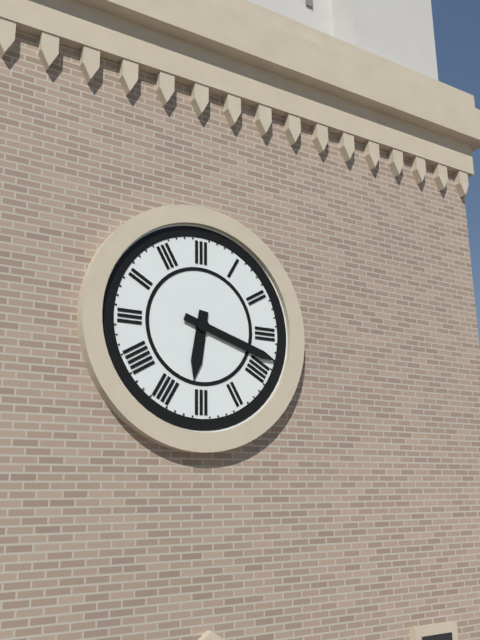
**6:18**
